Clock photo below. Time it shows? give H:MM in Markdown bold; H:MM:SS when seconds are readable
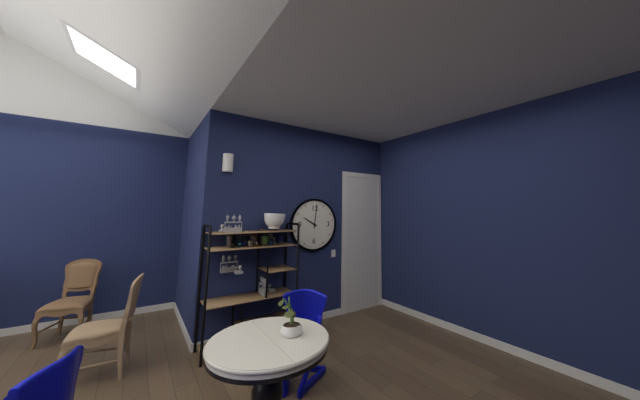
**10:01**
